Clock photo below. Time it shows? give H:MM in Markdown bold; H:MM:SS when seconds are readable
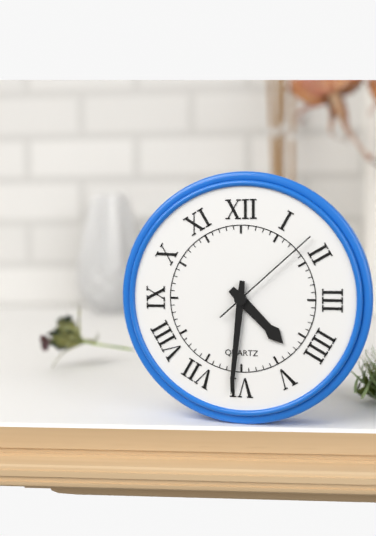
**4:31:08**
